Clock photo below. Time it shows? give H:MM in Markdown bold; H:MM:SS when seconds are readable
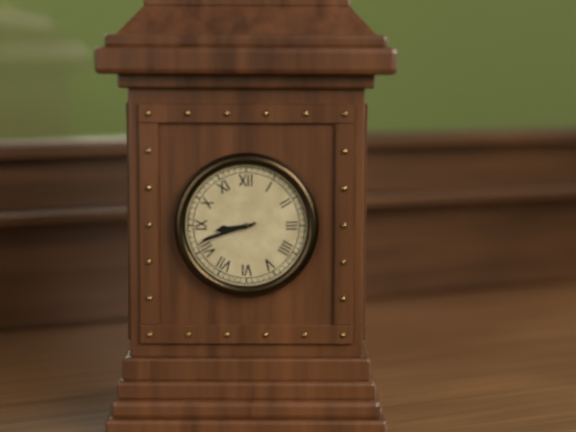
**8:42**
